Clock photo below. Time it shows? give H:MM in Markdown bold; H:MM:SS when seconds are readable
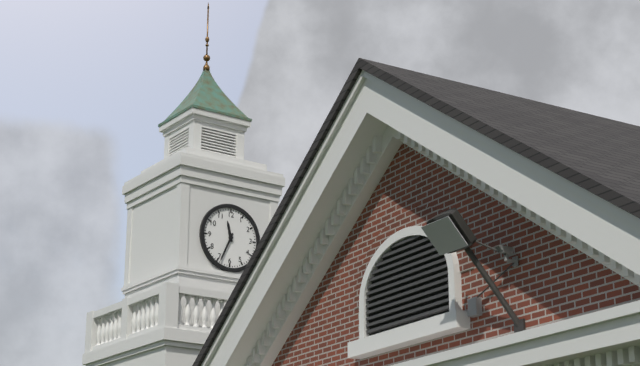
**11:34**
